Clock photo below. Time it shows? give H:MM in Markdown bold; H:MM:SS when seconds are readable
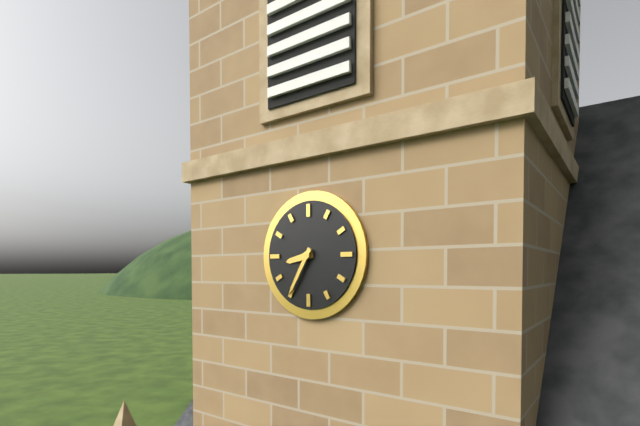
**8:35**
